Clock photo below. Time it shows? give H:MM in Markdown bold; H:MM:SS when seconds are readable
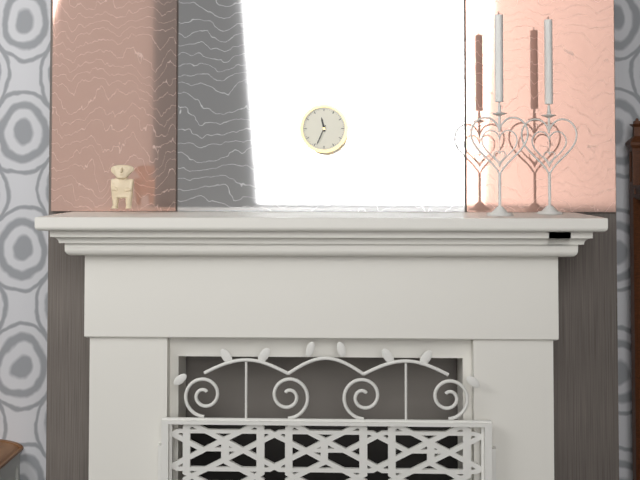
**11:34**
